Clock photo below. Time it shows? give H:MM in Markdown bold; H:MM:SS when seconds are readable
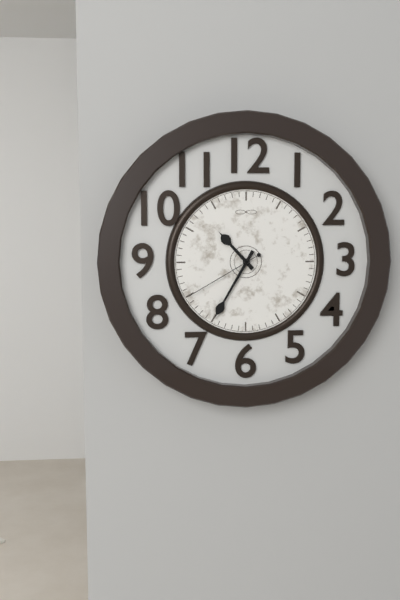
**10:35:40**
